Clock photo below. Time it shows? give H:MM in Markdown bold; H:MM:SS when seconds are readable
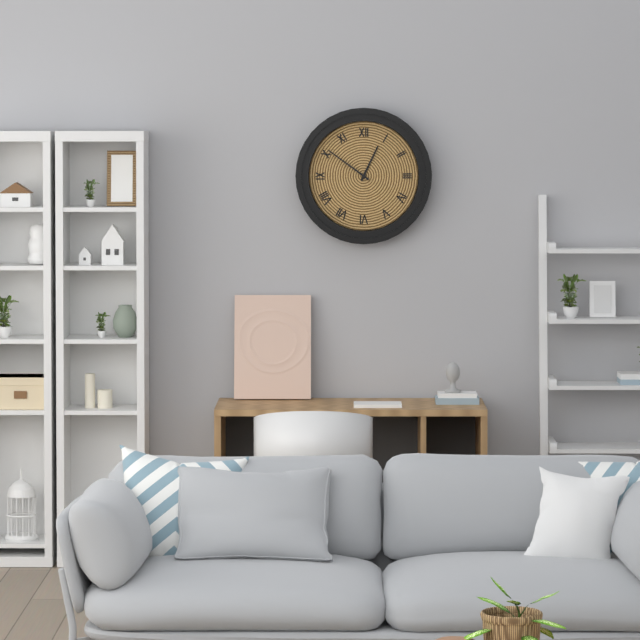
**12:51**
